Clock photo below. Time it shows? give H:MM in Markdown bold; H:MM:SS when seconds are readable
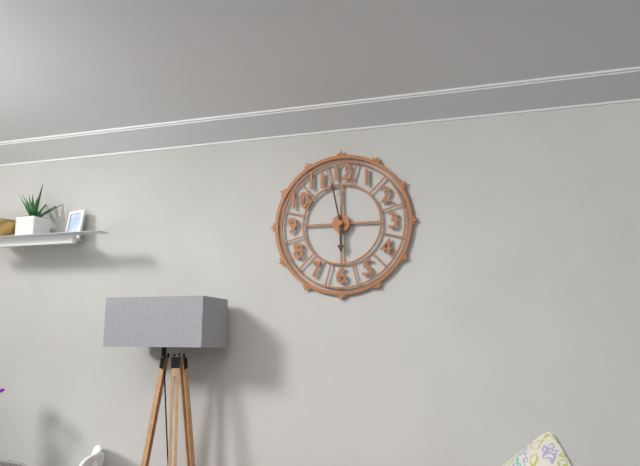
**5:58**
